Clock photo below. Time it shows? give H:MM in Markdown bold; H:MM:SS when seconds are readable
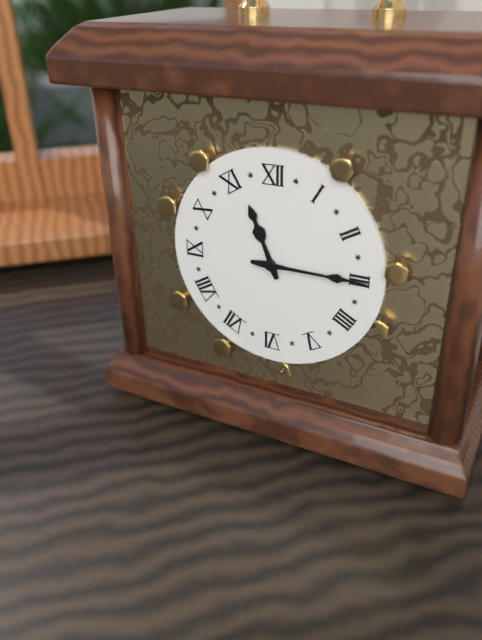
**11:15**
